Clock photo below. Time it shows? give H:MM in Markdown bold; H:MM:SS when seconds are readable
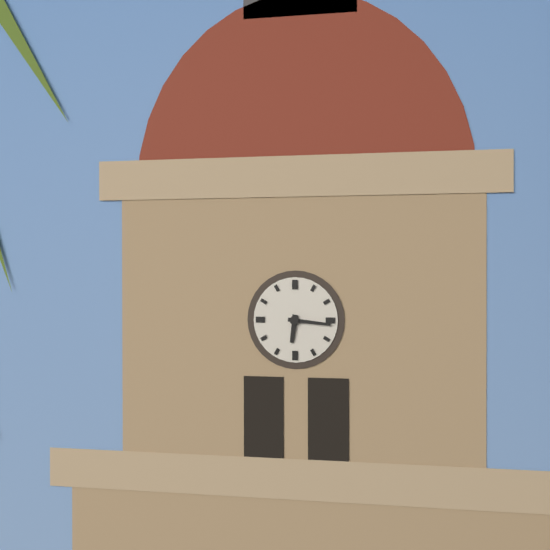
**6:16**
